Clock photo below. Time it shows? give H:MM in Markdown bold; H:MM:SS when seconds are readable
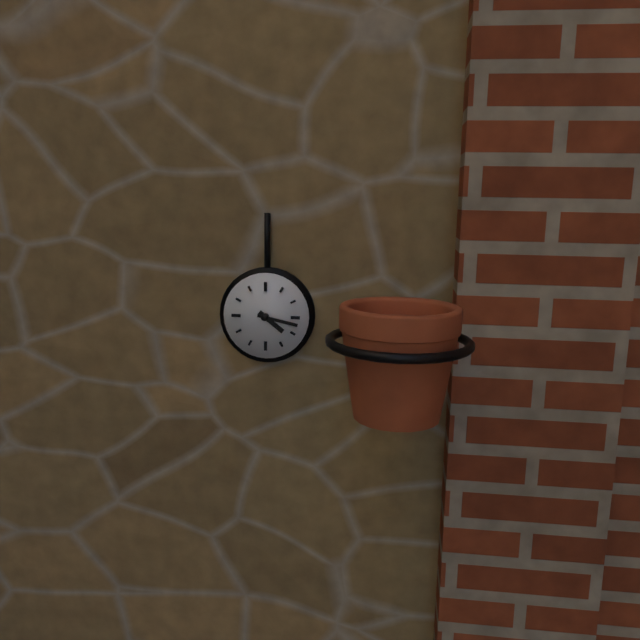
**4:17**
